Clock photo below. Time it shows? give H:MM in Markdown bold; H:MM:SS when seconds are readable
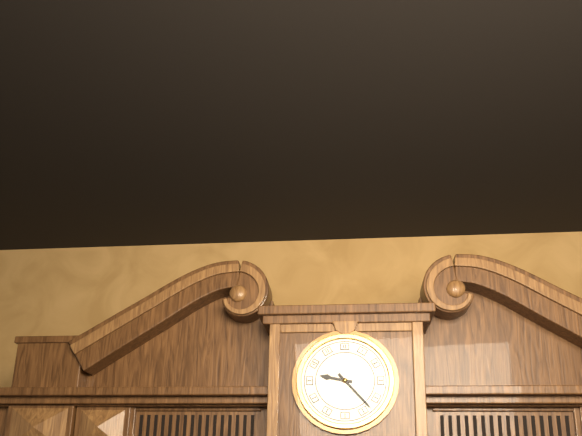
**9:23**
